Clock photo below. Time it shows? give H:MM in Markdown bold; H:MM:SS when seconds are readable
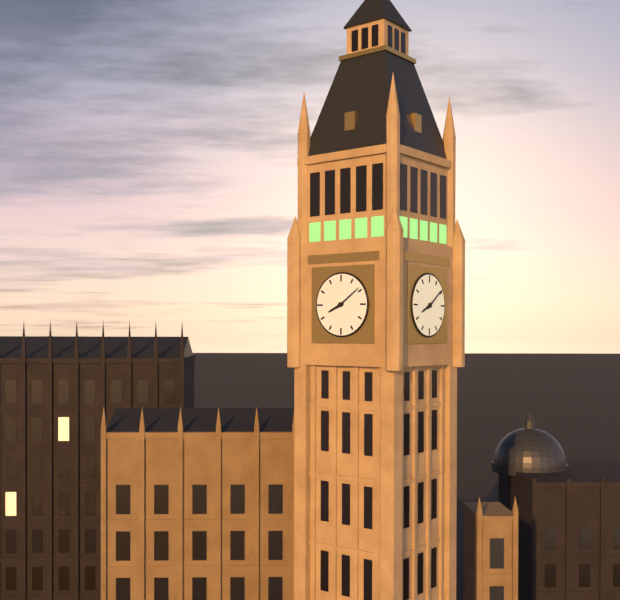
**8:09**
